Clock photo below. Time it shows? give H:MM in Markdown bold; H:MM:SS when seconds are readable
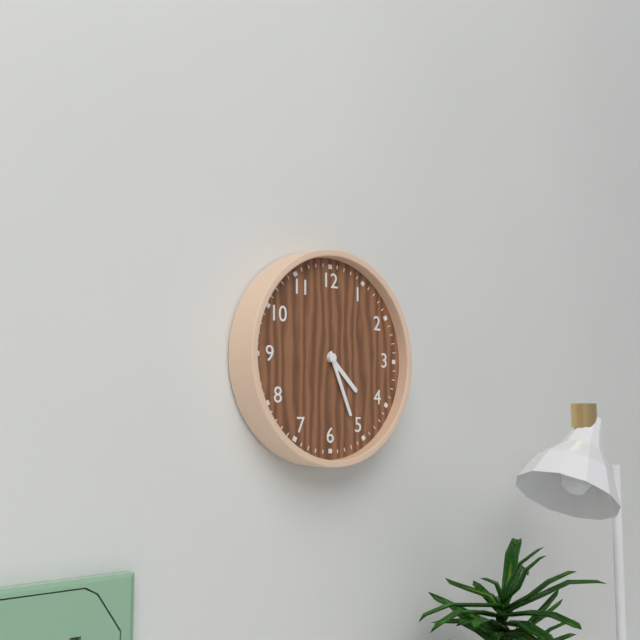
**4:26**
